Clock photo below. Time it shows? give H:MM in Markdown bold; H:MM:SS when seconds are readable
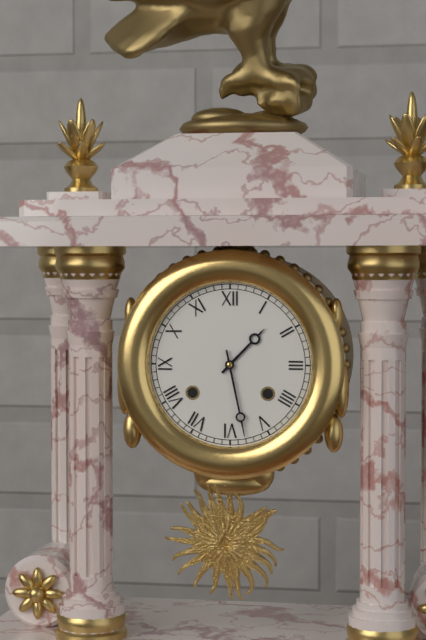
**1:28**
